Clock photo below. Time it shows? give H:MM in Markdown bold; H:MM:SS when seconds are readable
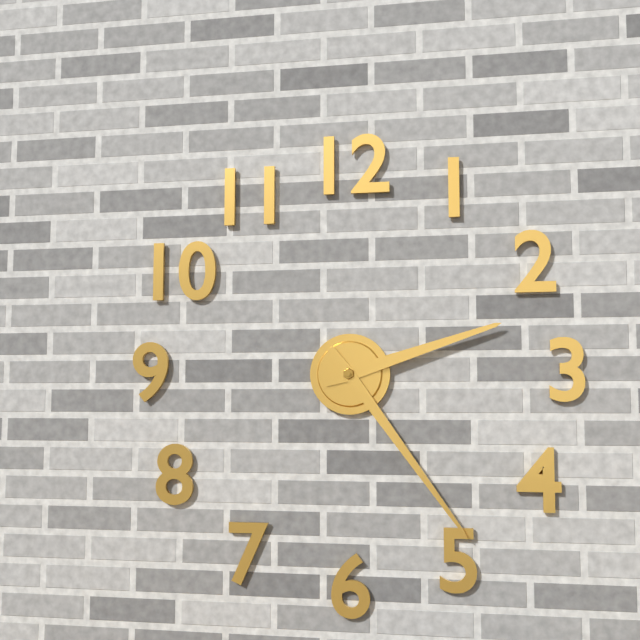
**2:24**
